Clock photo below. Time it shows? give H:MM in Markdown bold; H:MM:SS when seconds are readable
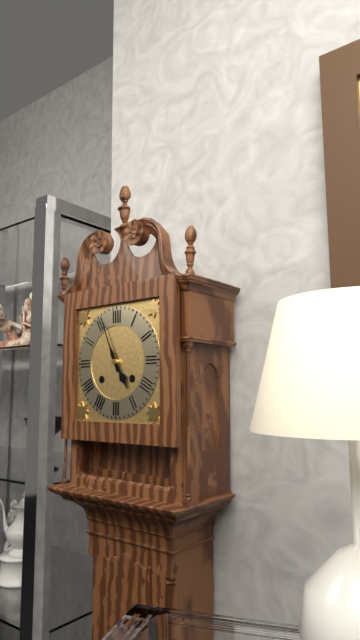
**4:56**
